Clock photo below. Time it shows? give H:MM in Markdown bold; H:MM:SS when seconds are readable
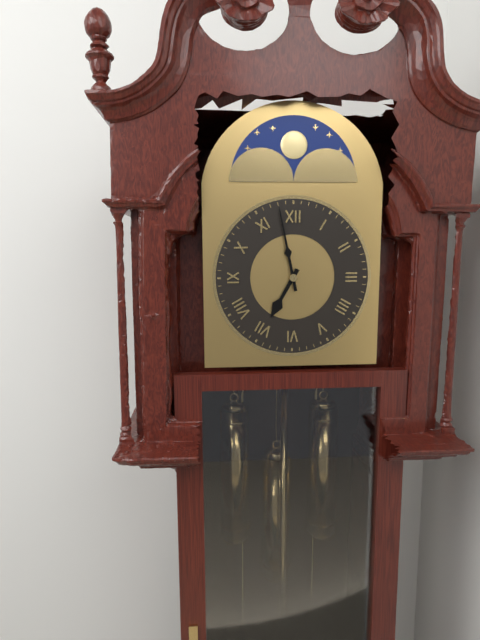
**6:58**
